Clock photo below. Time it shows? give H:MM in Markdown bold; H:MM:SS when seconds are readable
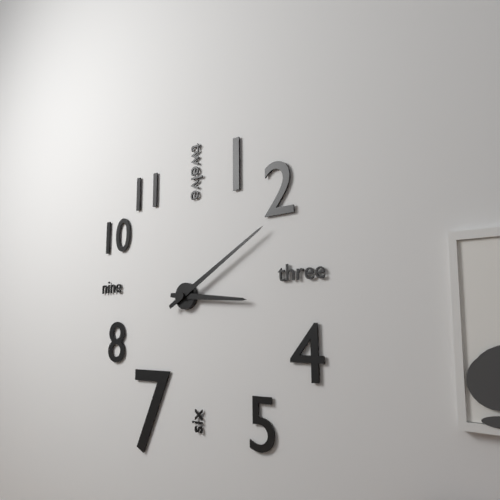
**3:10**
